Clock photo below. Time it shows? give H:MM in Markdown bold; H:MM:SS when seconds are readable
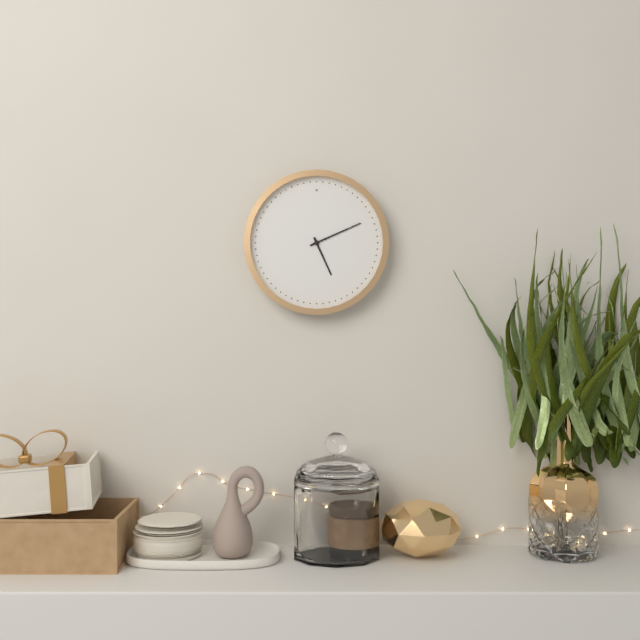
**5:11**
